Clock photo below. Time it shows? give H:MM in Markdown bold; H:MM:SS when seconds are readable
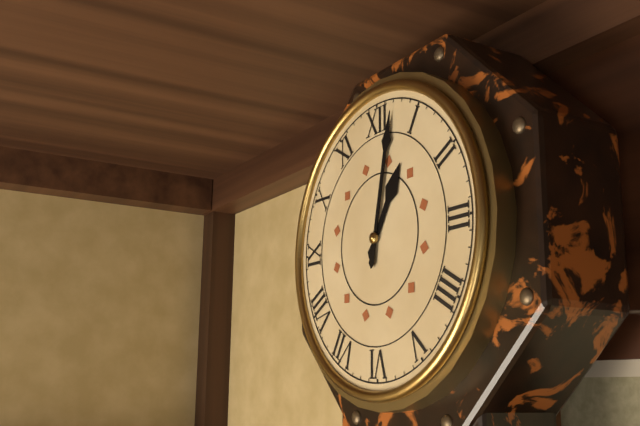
**1:02**
